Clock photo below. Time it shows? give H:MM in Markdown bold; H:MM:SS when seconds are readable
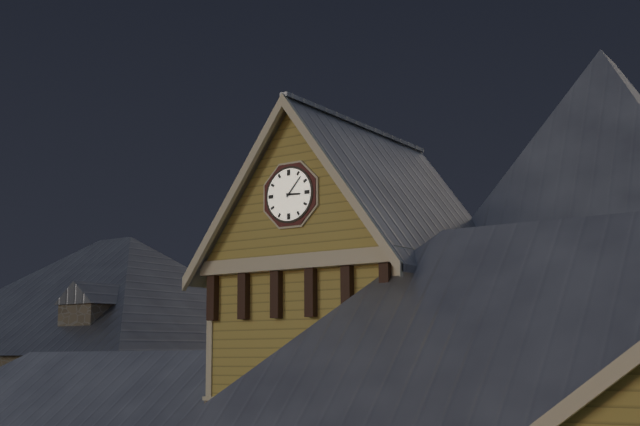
**3:07**
